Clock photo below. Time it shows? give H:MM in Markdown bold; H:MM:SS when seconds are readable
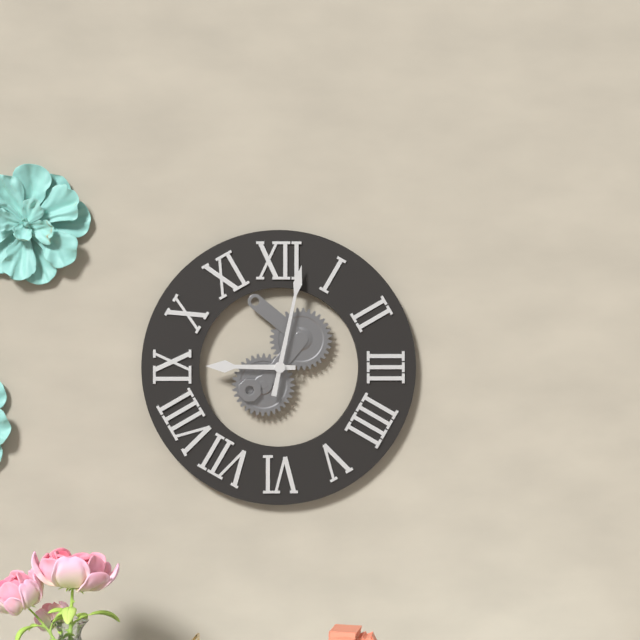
**9:02**
